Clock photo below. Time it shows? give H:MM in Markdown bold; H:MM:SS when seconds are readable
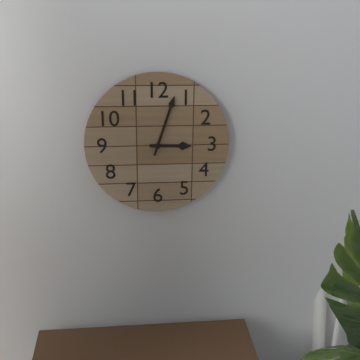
**3:03**
